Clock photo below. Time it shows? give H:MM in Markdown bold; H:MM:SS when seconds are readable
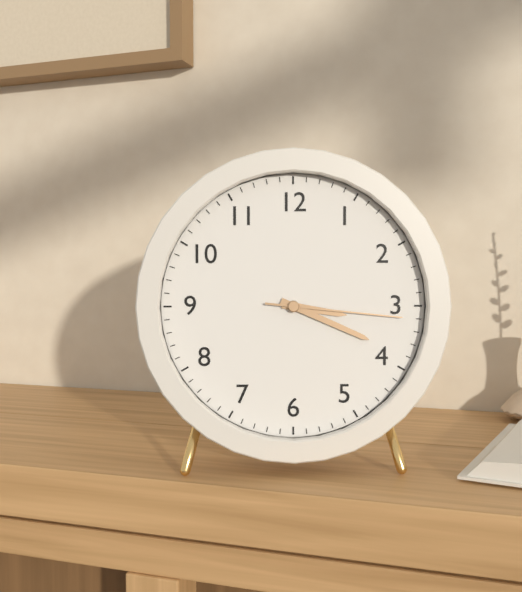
**3:19:16**
